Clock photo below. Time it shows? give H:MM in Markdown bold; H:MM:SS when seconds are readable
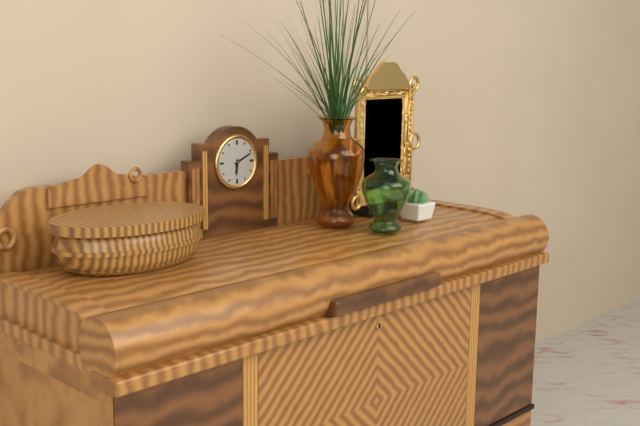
**6:11**
